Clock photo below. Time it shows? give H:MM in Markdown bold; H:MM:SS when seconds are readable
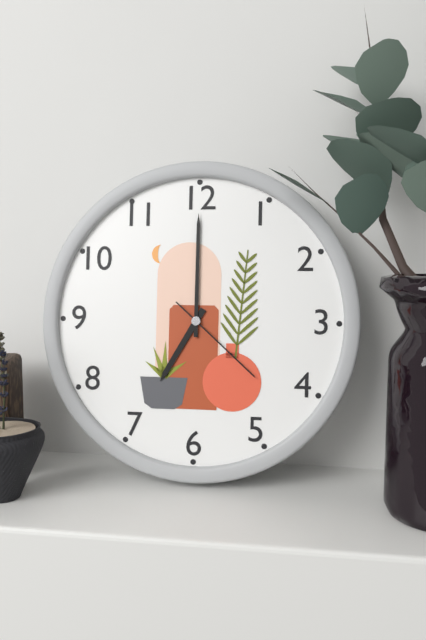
**7:00:22**
